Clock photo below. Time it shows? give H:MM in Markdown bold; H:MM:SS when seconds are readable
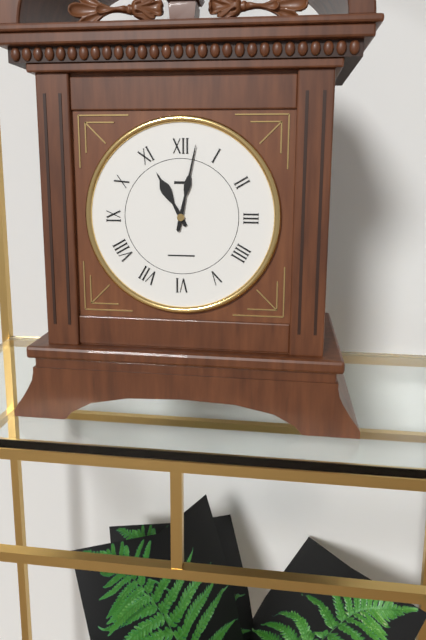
**11:02**
